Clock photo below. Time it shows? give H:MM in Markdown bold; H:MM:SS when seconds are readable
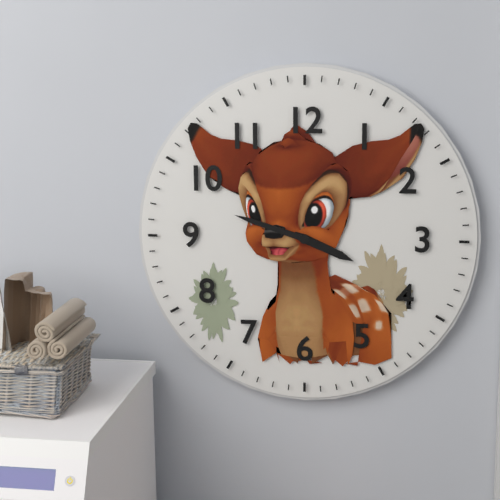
**3:48**
